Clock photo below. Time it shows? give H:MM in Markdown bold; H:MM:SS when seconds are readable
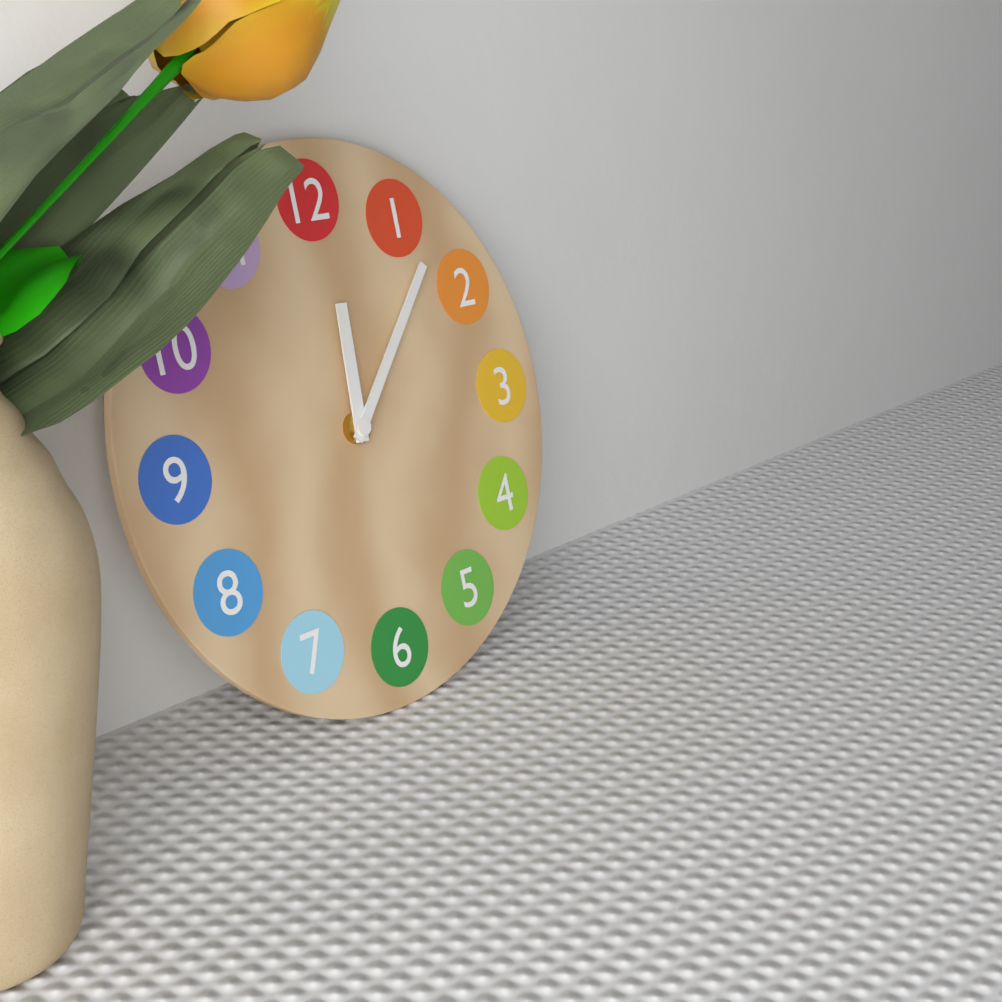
**12:07**
